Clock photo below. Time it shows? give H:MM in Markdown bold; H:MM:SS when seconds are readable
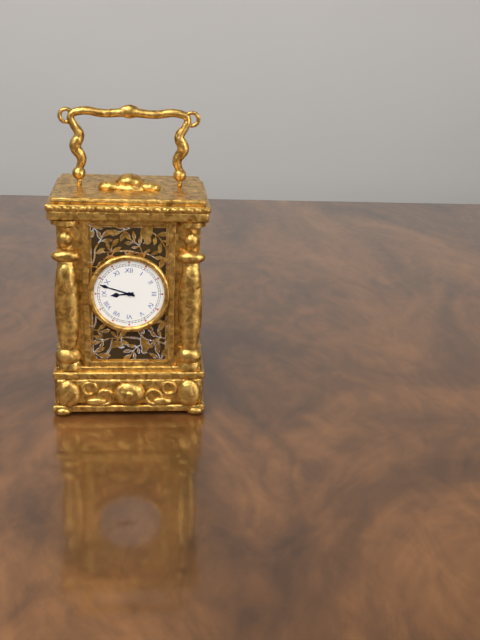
**8:48**
